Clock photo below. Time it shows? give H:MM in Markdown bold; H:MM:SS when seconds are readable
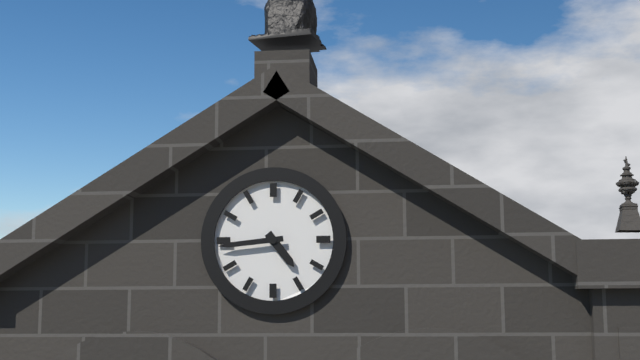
**4:44**
